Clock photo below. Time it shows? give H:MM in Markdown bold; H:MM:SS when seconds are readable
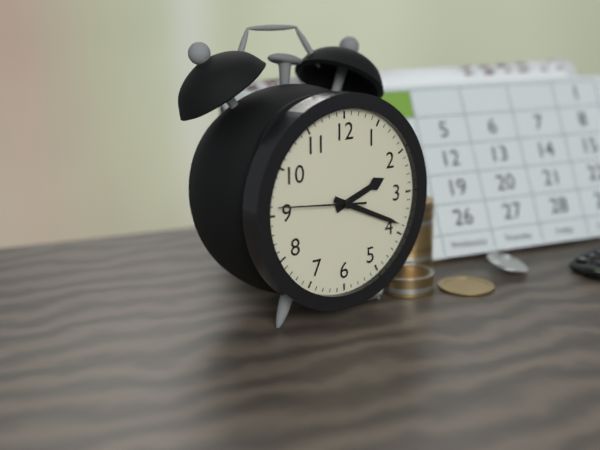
**2:19:46**
